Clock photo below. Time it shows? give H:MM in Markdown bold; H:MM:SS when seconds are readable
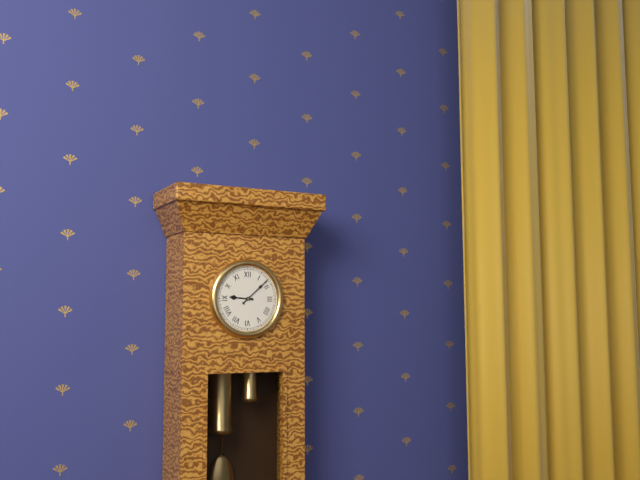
**9:08**
